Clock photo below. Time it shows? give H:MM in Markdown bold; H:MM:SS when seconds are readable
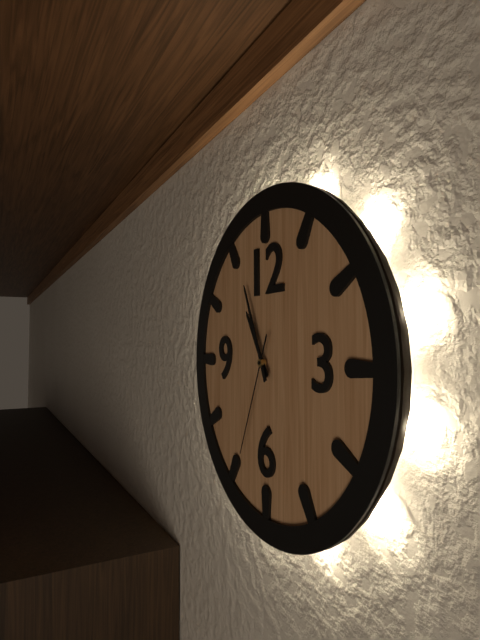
**10:56:34**
